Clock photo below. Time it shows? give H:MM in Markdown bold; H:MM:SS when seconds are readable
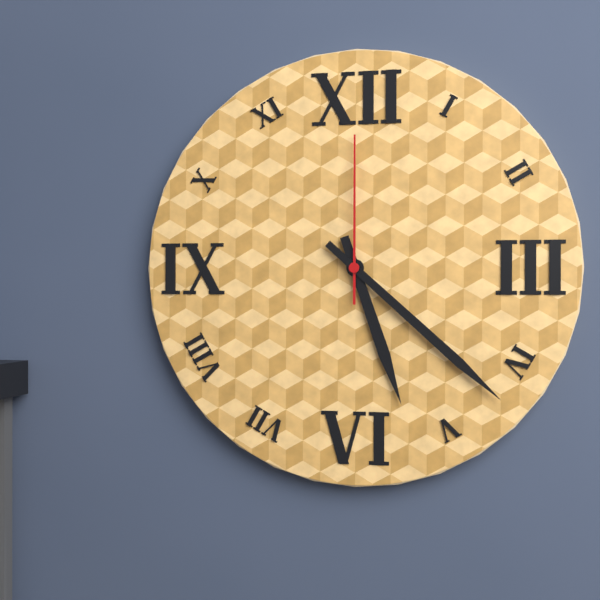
**5:22:00**
